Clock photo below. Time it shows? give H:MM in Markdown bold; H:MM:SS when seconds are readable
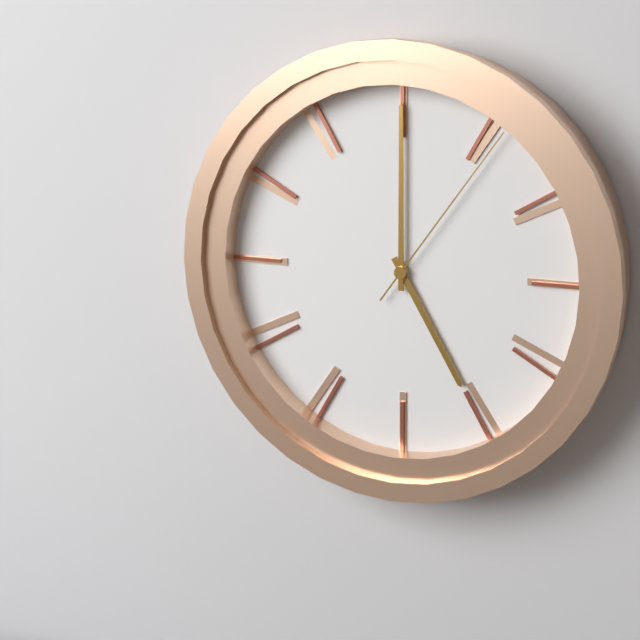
**5:00:06**
